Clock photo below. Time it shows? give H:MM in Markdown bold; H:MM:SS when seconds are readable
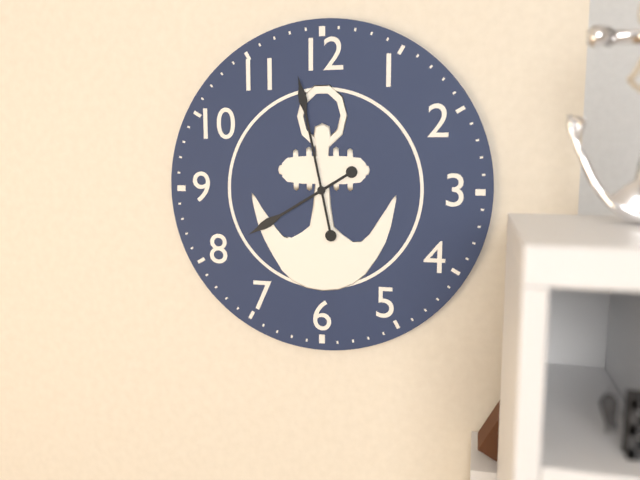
**7:58**
